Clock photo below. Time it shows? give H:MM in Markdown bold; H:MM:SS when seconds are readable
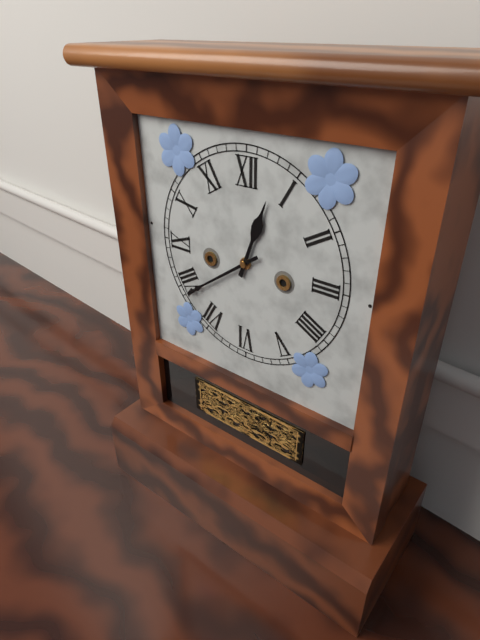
**12:39**
